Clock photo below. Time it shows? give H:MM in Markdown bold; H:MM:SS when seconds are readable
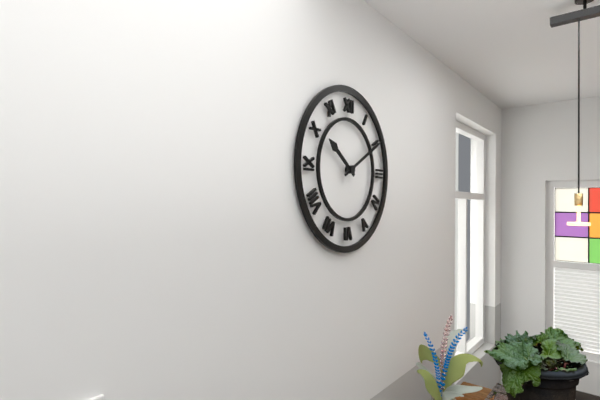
**10:10**
